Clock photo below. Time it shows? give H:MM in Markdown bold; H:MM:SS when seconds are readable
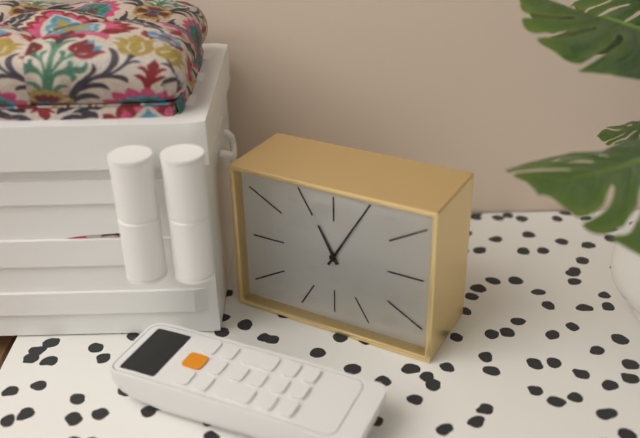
**11:05**
